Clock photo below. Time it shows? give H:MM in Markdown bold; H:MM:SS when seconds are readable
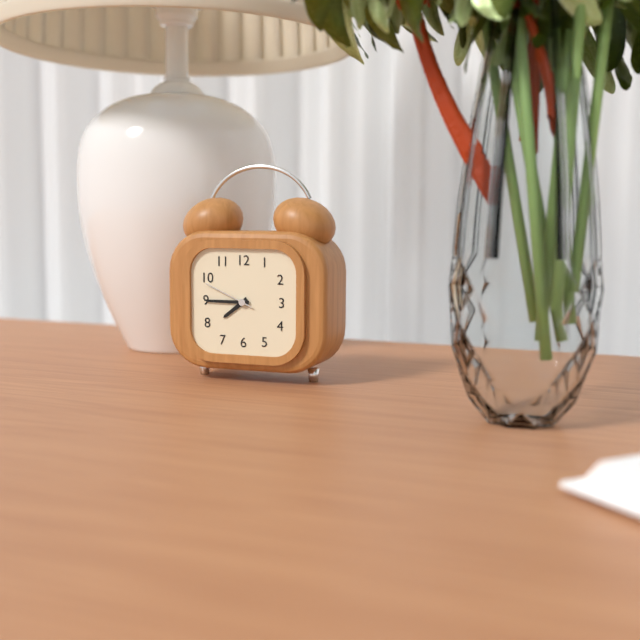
**7:45:49**
